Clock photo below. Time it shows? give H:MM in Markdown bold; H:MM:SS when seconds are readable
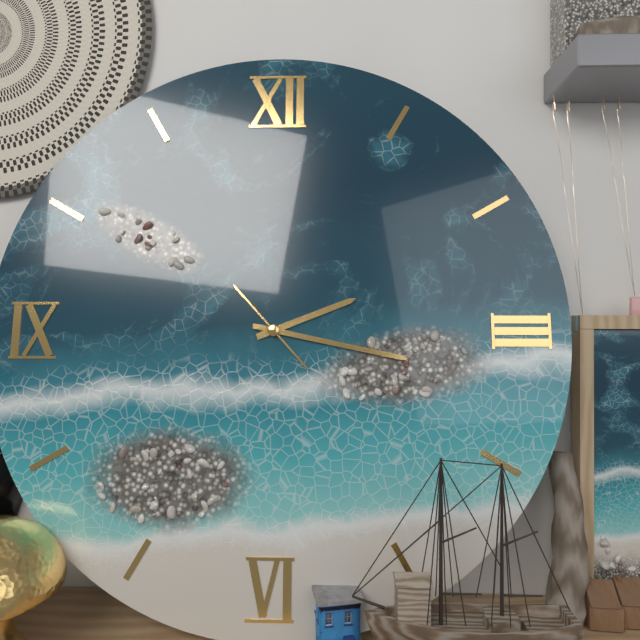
**2:17:53**
